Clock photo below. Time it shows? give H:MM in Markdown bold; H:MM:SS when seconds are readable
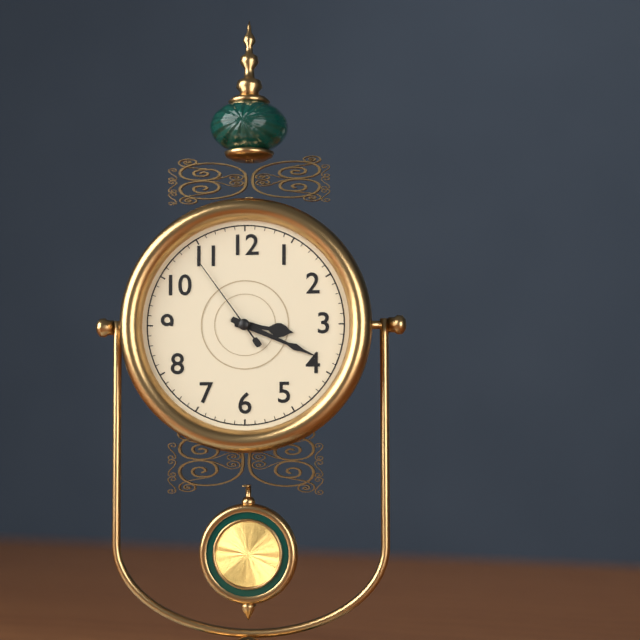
**3:19:54**
